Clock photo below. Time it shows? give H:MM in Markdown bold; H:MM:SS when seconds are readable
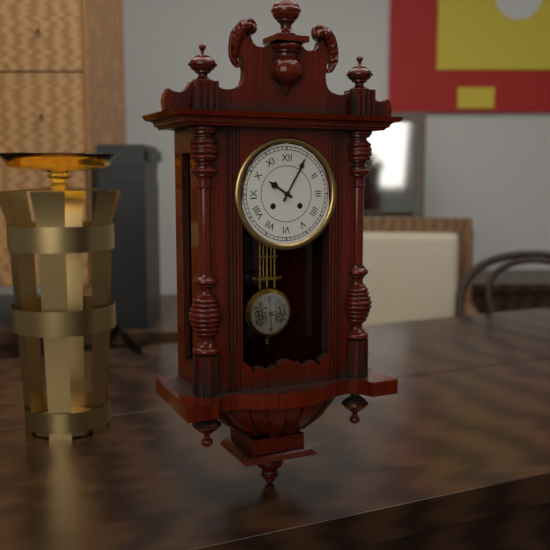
**10:05**
